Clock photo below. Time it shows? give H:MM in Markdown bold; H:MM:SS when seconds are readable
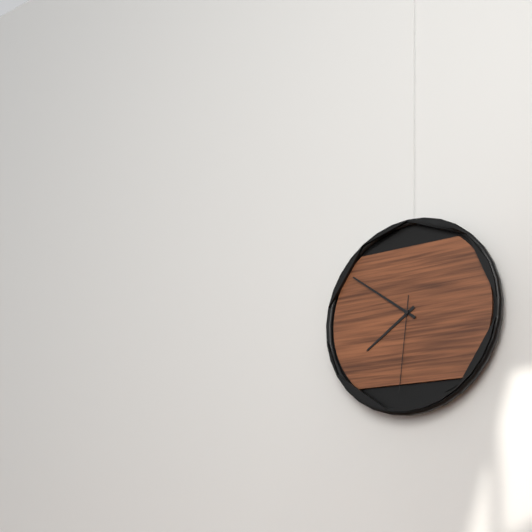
**7:51:31**
